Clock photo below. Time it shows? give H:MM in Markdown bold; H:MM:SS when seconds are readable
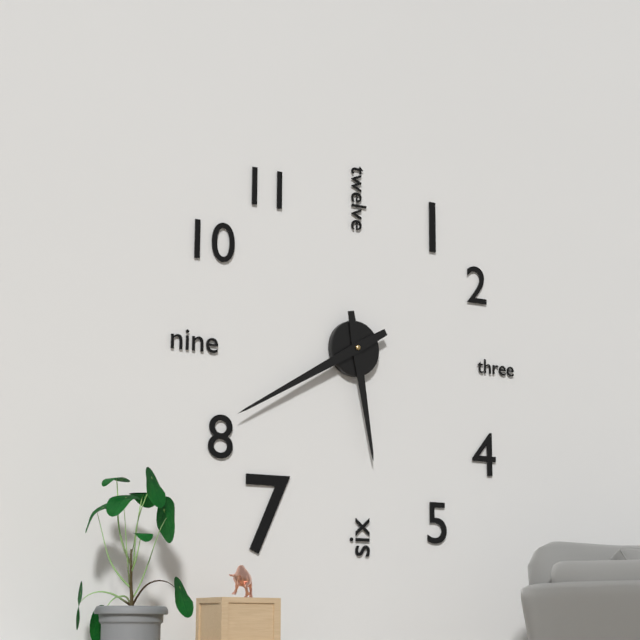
**5:40**
